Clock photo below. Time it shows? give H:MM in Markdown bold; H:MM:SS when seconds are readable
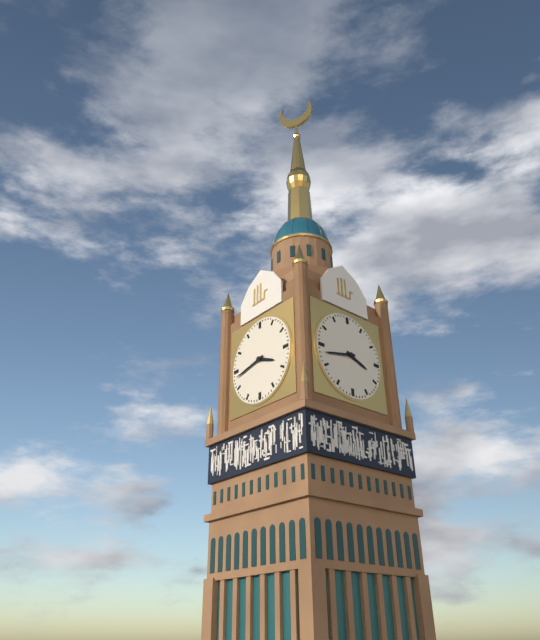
**3:43**
